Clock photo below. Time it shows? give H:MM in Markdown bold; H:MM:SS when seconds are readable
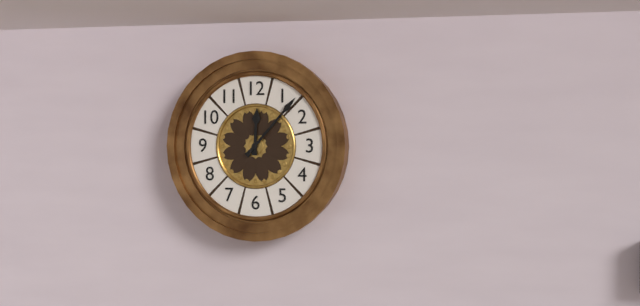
**12:07**
